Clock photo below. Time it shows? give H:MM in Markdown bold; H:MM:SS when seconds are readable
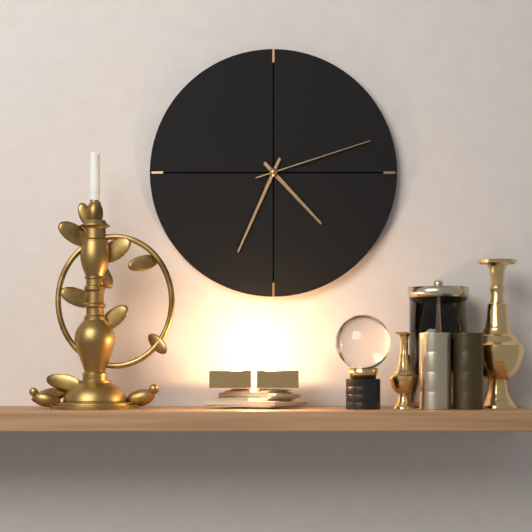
**4:34:12**
